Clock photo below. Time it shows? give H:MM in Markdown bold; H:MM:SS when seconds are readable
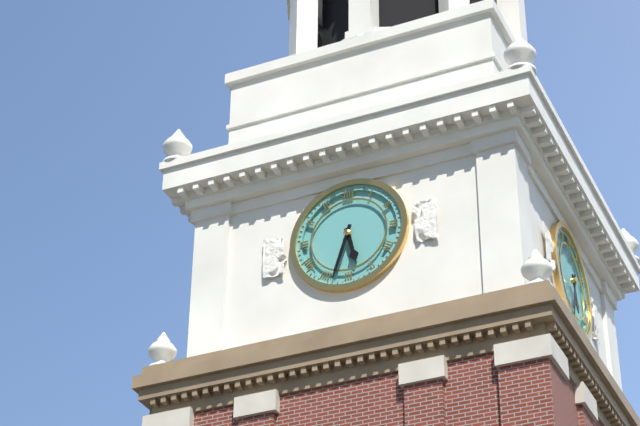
**5:33**
